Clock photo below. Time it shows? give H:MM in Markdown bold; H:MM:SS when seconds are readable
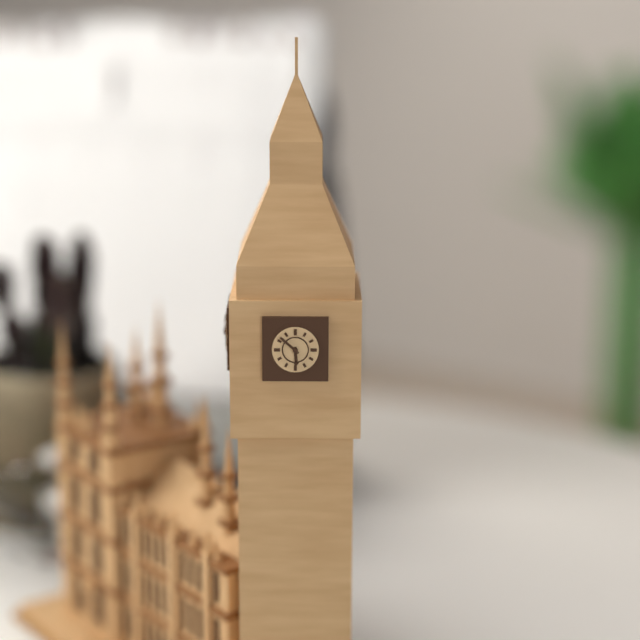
**5:52**
